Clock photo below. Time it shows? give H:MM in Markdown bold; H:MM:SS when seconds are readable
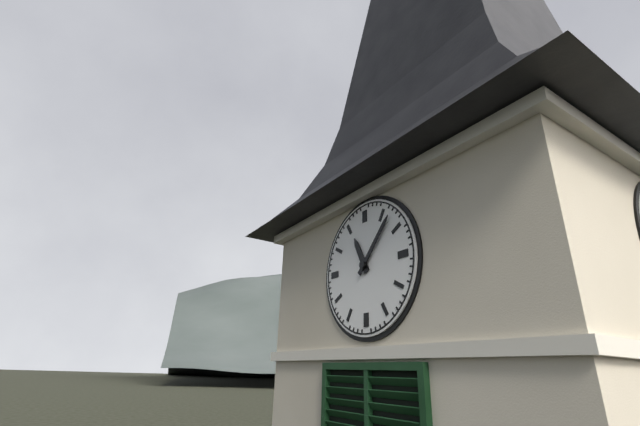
**11:07**
